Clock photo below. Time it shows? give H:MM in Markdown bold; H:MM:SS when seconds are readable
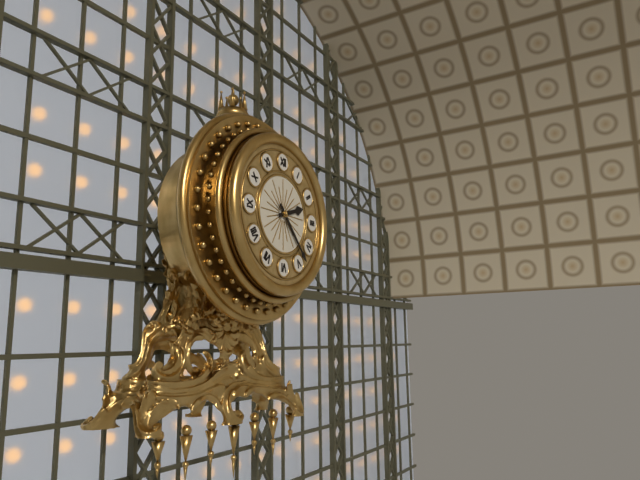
**2:23**
